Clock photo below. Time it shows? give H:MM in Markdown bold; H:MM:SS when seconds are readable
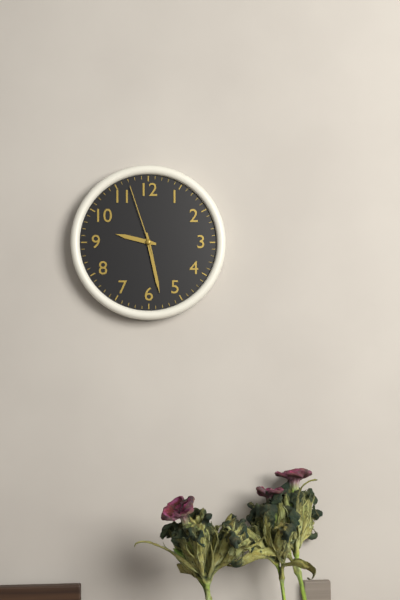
**9:28:57**
